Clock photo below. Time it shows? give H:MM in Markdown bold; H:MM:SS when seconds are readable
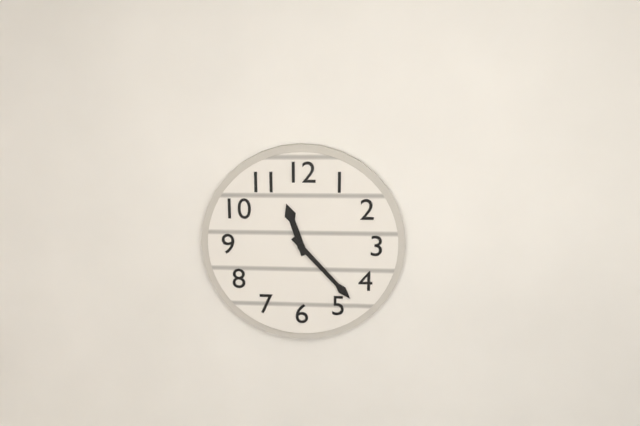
**11:23**
